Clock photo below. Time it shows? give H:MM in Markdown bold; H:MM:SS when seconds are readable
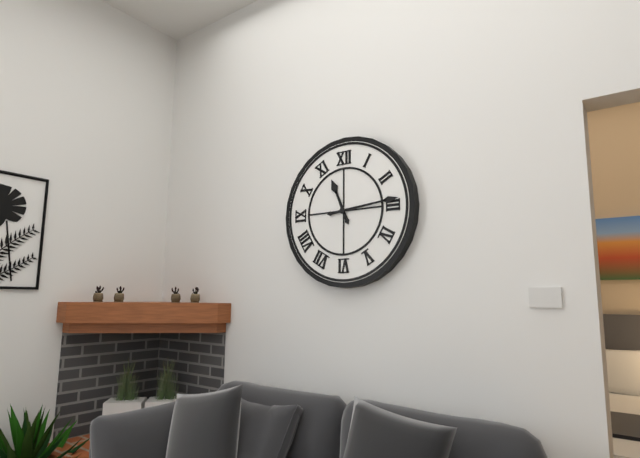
**11:14**
